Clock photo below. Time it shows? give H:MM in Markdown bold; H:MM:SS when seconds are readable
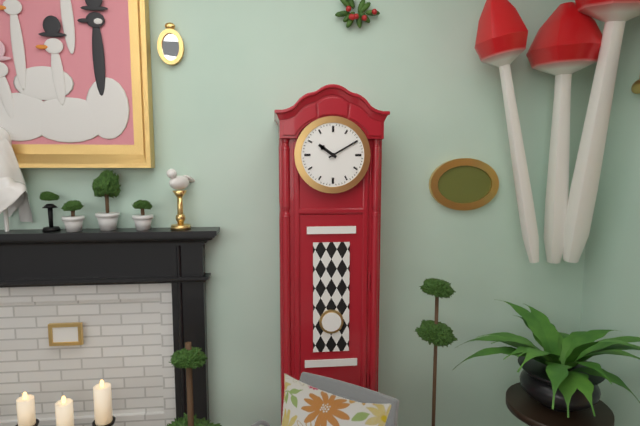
**10:10**
